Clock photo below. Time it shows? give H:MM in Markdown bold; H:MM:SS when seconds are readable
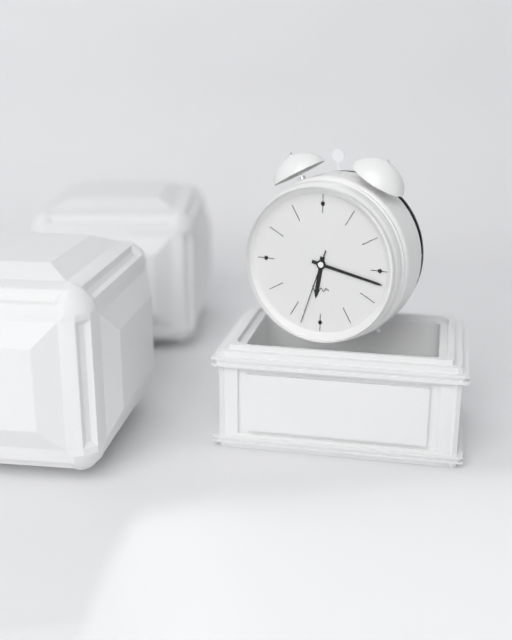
**6:17:33**
